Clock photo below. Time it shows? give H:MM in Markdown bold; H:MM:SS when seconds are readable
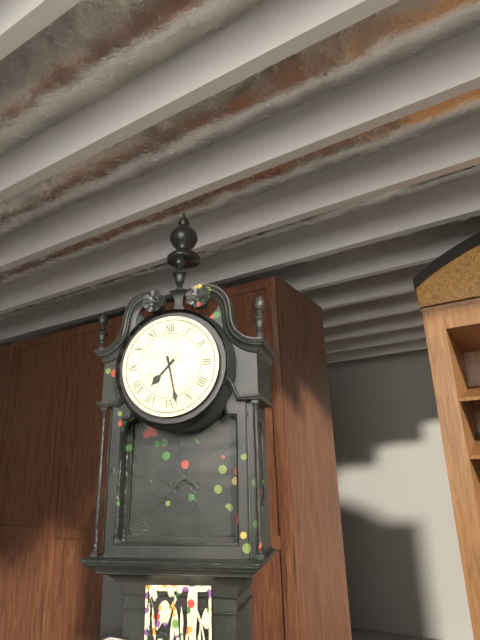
**7:28**
